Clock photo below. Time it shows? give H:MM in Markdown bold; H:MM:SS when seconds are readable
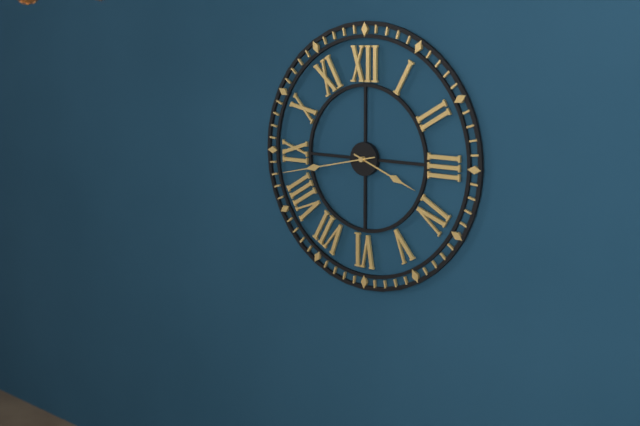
**3:43**
